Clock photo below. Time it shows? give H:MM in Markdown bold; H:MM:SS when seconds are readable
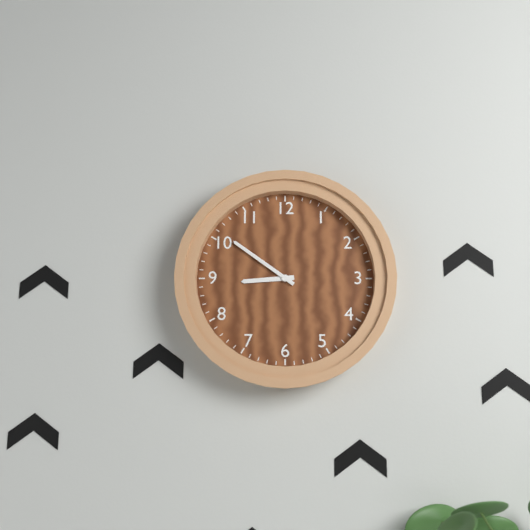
**8:51**
